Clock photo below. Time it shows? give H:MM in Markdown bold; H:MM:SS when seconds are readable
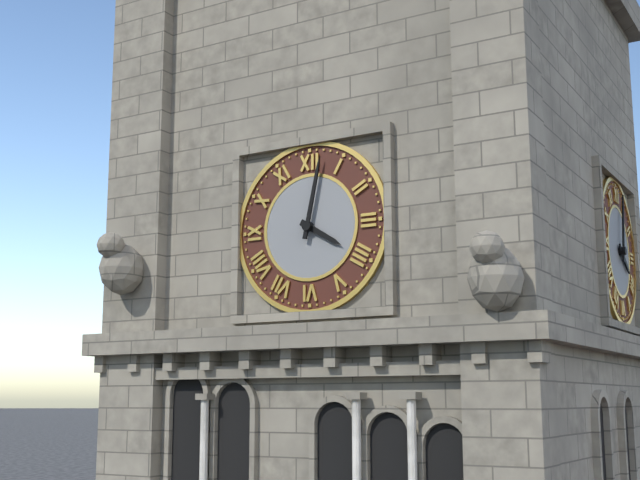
**4:02**
